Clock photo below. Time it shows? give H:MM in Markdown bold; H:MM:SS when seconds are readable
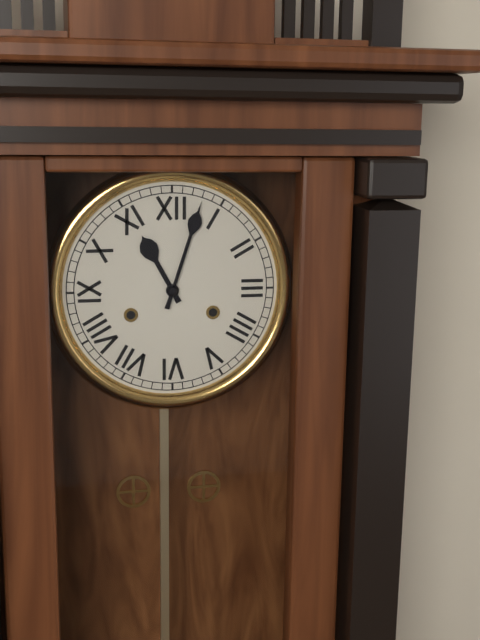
**11:03**
